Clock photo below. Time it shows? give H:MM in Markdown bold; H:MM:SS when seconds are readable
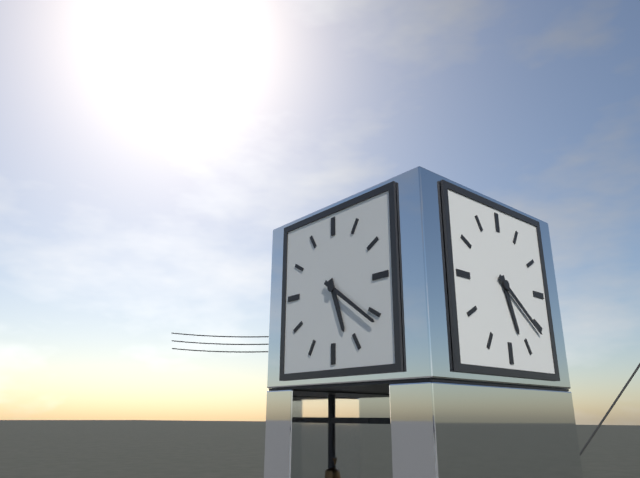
**5:21**
